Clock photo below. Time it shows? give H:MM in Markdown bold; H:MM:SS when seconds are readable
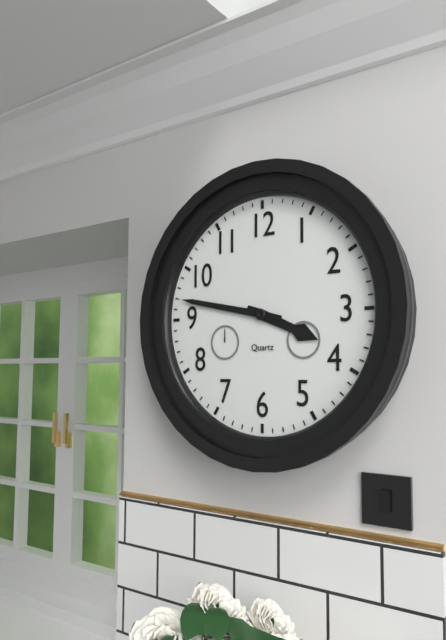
**3:47**
